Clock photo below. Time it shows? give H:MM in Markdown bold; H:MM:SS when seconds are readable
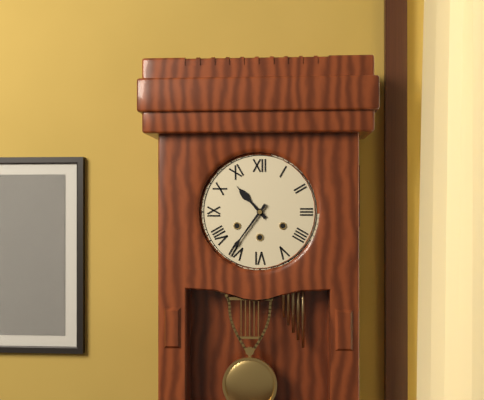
**10:36**
